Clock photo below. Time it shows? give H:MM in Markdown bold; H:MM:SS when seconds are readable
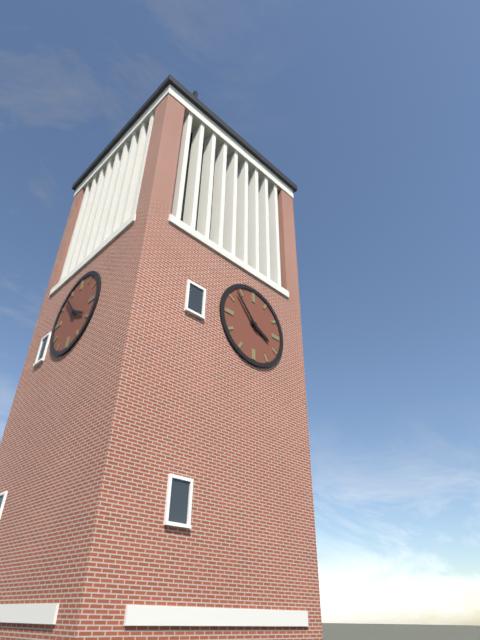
**3:53**
